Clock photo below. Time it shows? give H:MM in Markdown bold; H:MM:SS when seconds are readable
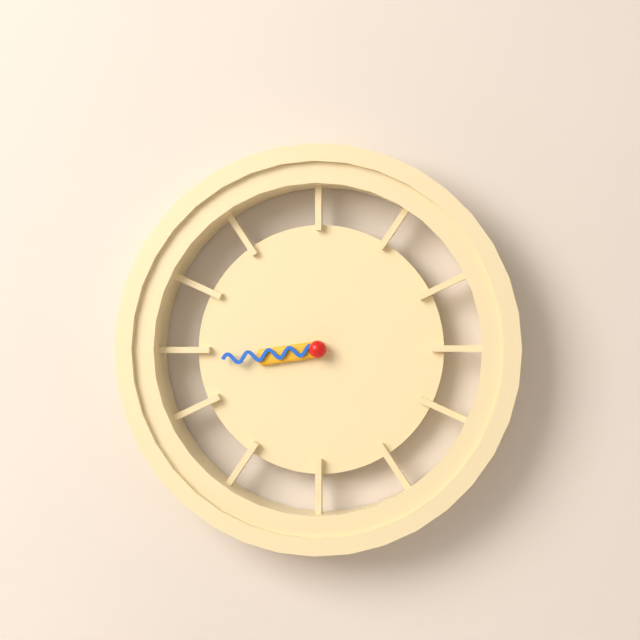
**8:44**
